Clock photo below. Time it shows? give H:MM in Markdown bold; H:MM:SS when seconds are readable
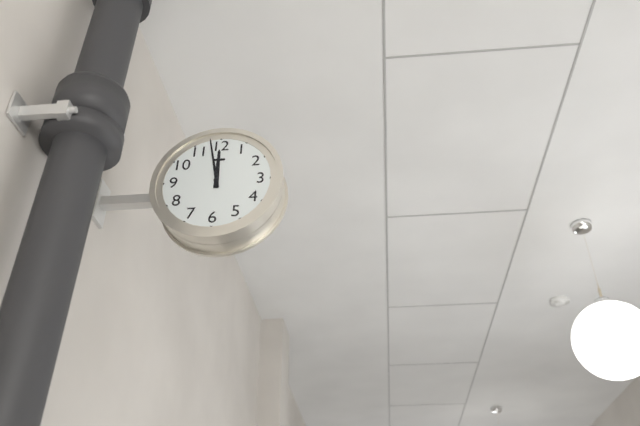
**11:58**
